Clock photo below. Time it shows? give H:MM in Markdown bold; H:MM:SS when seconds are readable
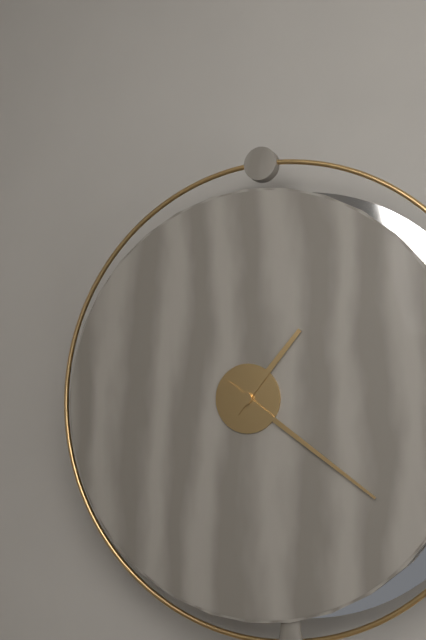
**1:21**
